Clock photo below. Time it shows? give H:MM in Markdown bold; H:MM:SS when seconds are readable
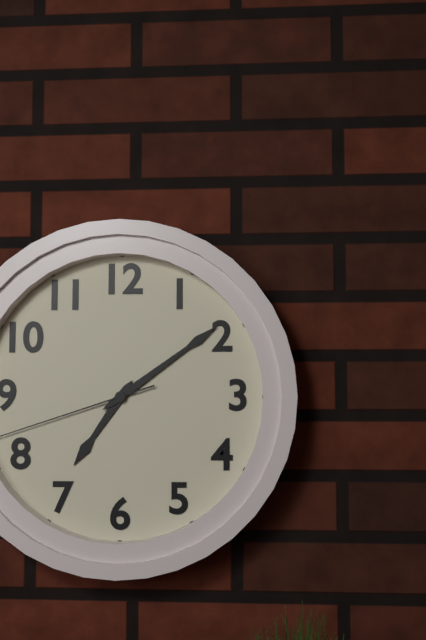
**7:09**
